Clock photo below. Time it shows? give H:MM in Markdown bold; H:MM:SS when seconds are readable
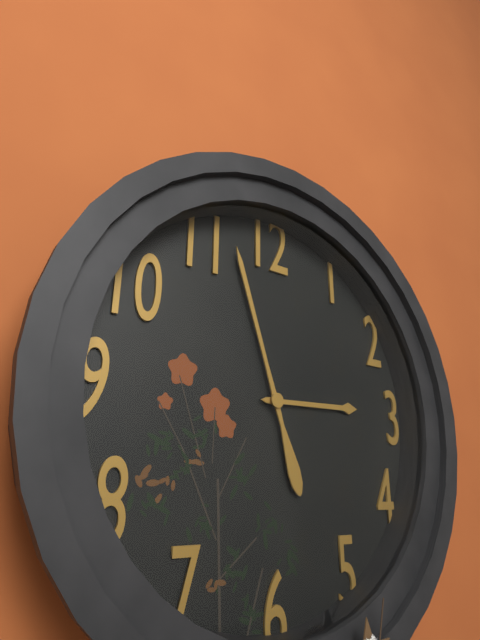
**2:57**
